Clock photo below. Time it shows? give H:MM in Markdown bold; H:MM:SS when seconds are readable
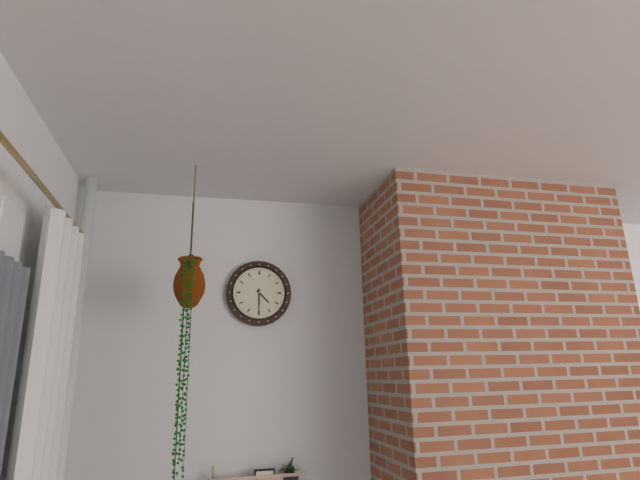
**4:30**
